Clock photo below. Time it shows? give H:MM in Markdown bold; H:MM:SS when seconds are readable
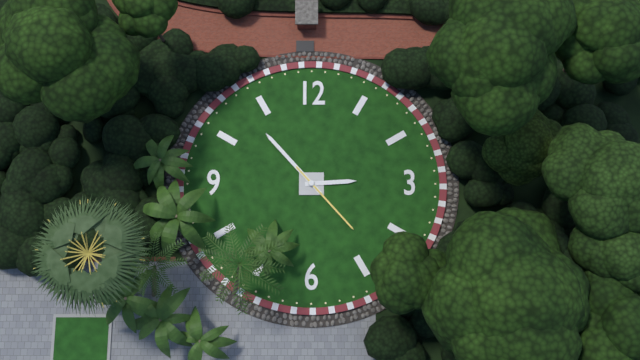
**2:53:23**
